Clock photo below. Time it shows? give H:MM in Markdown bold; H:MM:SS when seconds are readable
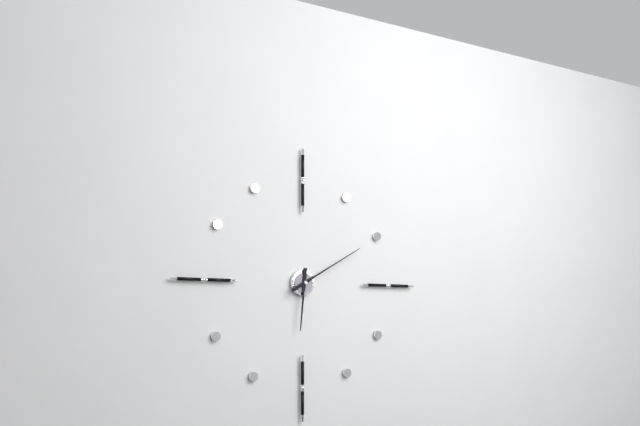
**6:10**
